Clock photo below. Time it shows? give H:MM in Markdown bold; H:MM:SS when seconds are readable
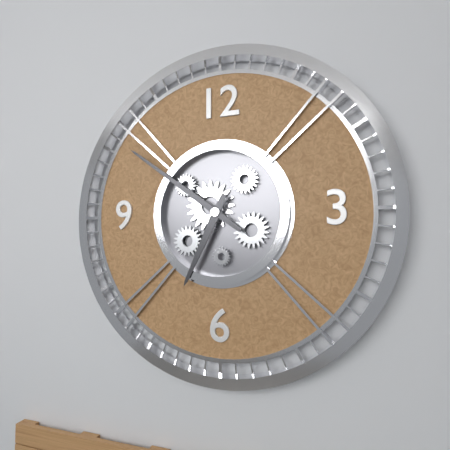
**6:51**
